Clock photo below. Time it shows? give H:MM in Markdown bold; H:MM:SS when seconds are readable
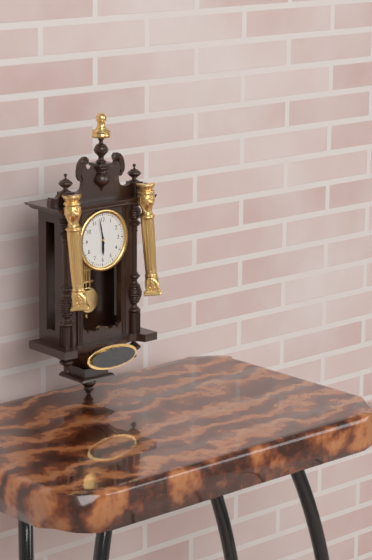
**5:58**
